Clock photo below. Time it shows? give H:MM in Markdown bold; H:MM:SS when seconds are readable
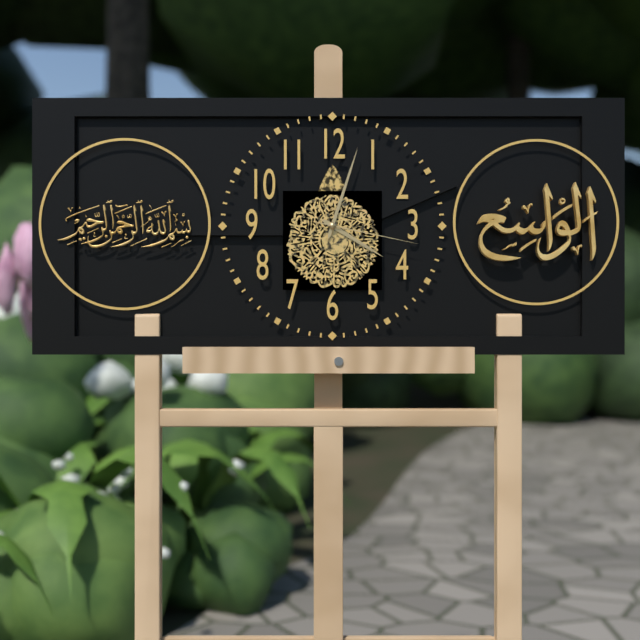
**4:03:17**
